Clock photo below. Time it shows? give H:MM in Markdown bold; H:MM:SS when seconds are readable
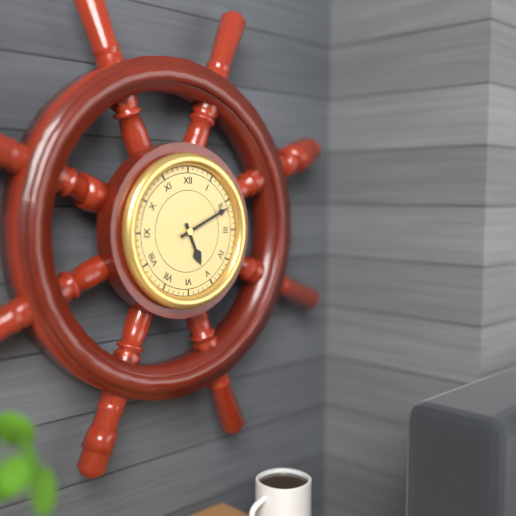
**5:11**
